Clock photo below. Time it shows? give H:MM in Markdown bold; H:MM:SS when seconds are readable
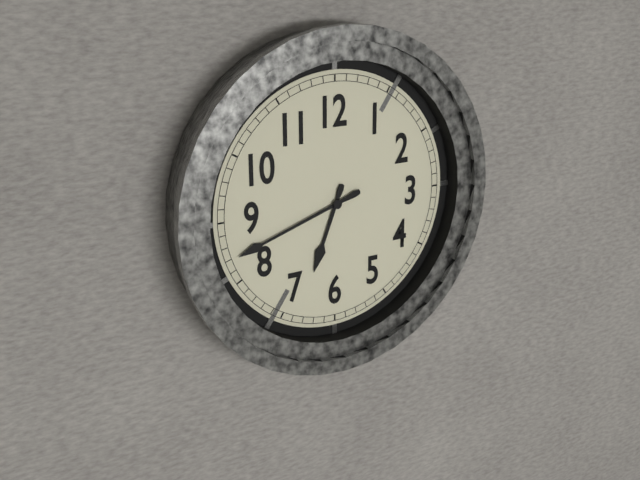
**6:42**
